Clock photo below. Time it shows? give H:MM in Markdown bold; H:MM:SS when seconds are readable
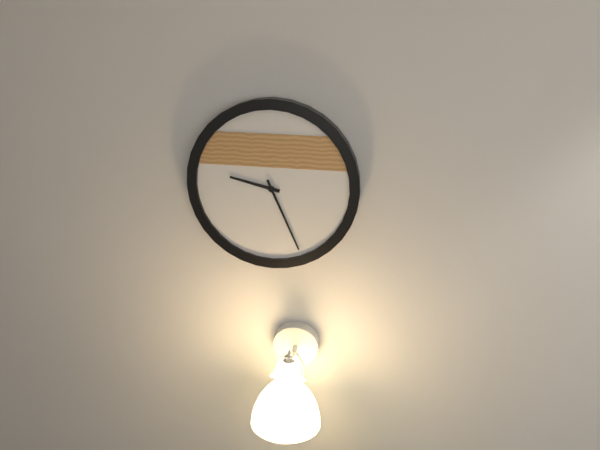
**9:26**
